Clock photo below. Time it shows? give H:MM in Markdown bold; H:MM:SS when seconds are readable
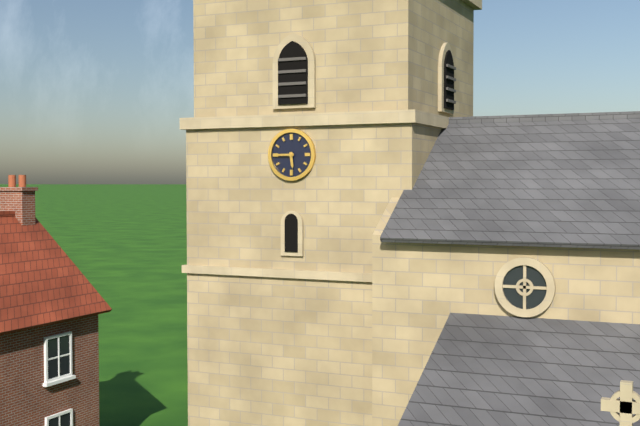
**5:45**
